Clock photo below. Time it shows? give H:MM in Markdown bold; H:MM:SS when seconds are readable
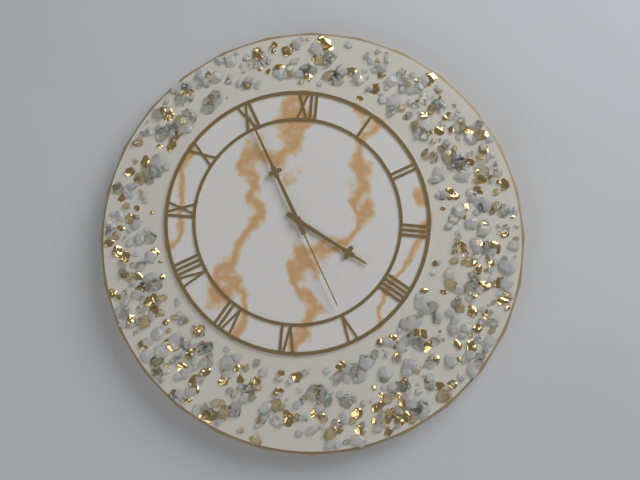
**3:55:25**
